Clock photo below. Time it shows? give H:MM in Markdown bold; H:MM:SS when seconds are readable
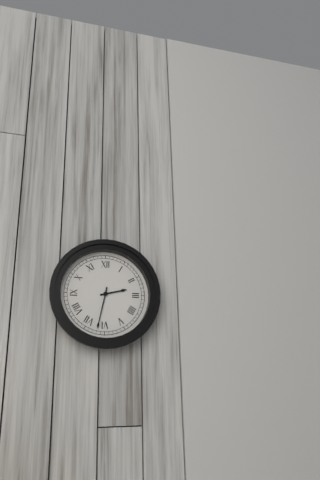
**2:32**
